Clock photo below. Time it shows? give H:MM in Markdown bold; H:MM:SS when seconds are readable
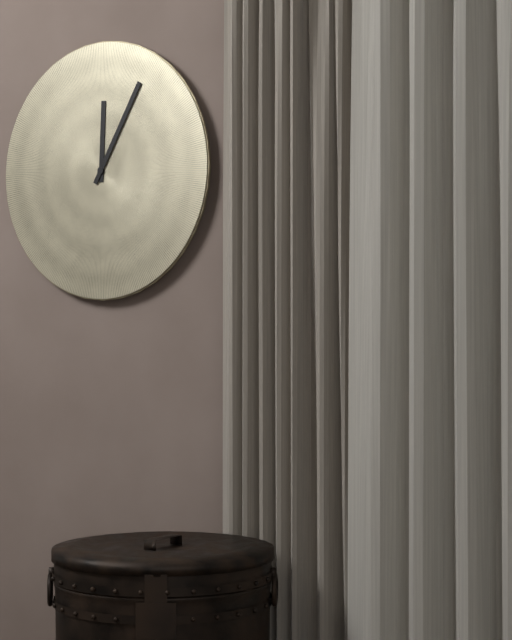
**12:05**
